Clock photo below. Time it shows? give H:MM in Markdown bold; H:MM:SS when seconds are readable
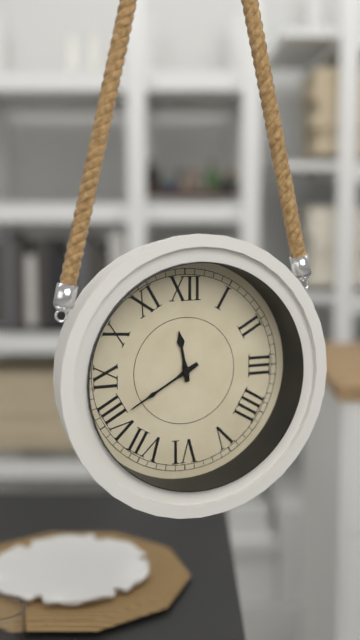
**11:40**
